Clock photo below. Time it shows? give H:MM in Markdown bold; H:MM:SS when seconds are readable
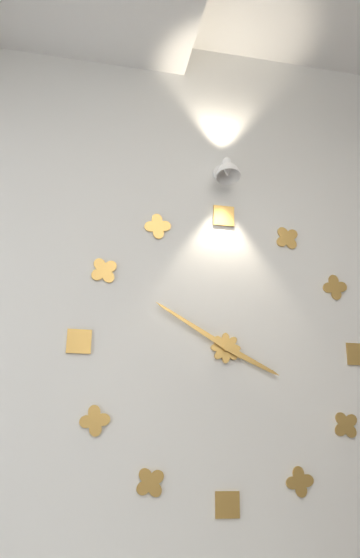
**3:50**
